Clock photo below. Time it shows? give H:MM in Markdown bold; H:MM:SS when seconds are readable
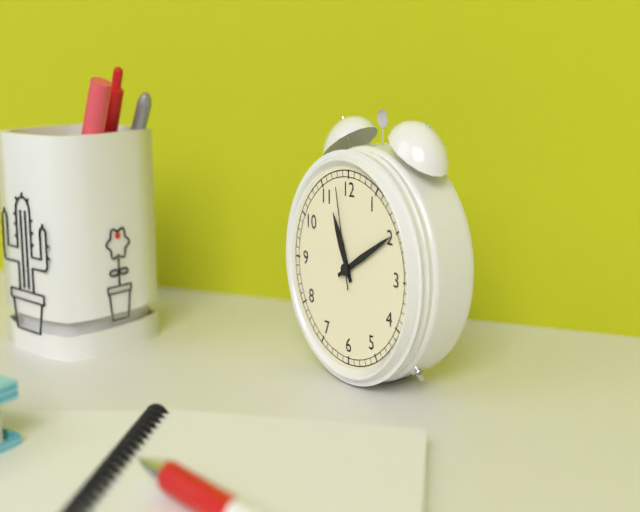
**11:10:58**
